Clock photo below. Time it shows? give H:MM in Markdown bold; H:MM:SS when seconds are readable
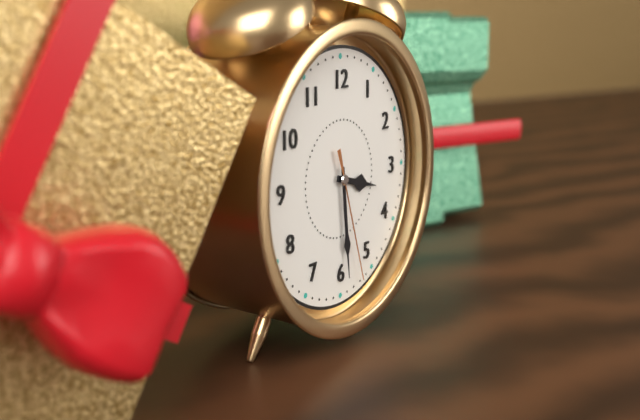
**3:29:27**
